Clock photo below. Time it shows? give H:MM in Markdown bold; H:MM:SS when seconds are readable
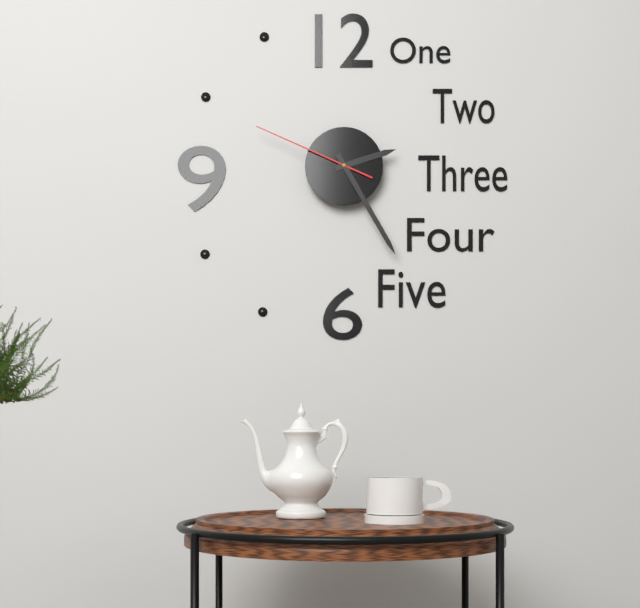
**2:25:49**
